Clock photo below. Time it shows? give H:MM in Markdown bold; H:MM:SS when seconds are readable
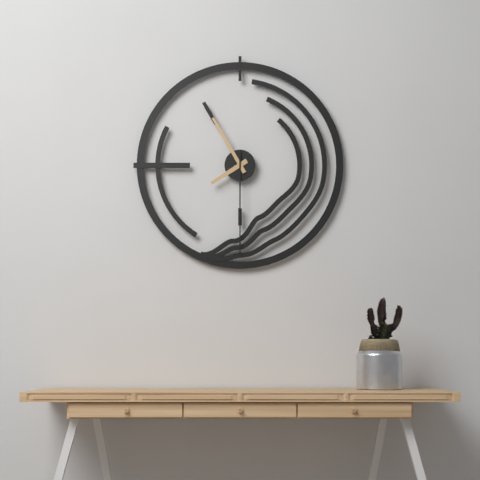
**7:55:30**
